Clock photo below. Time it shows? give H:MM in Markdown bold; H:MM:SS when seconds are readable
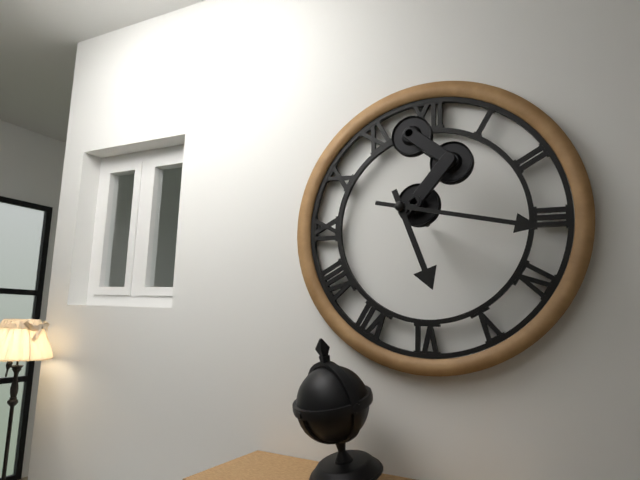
**5:17**
